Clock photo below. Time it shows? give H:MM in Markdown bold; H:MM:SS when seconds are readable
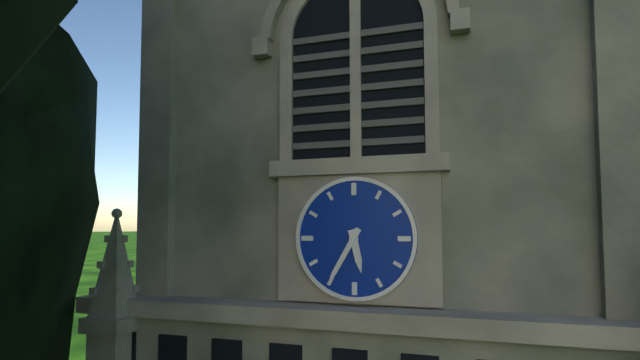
**5:35**
